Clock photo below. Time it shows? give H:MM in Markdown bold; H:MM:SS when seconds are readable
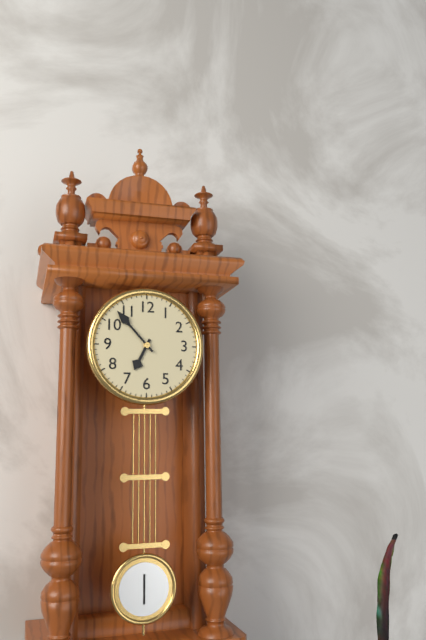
**6:53**
